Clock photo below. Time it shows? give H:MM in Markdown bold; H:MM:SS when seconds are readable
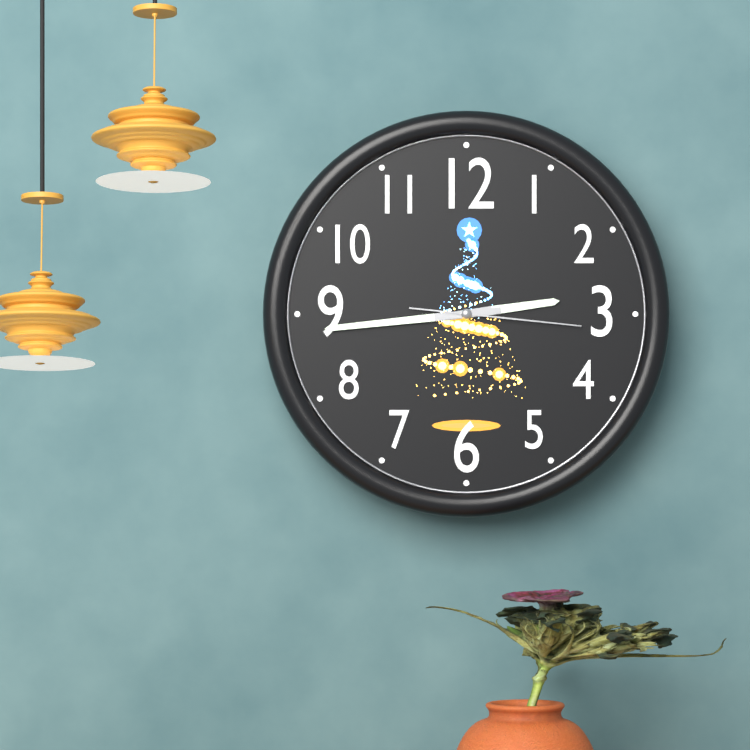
**2:44:16**
